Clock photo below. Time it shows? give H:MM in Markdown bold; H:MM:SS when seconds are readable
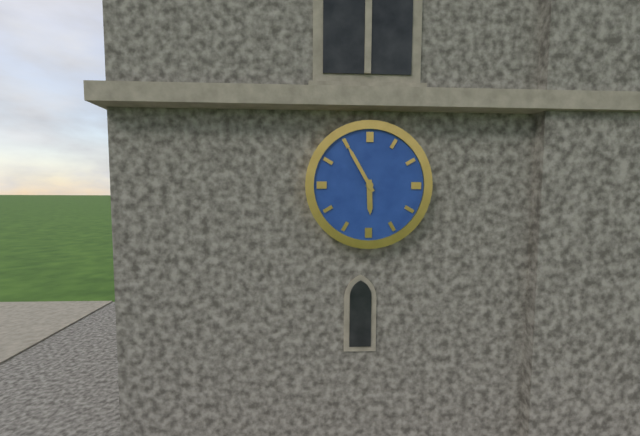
**5:55**
